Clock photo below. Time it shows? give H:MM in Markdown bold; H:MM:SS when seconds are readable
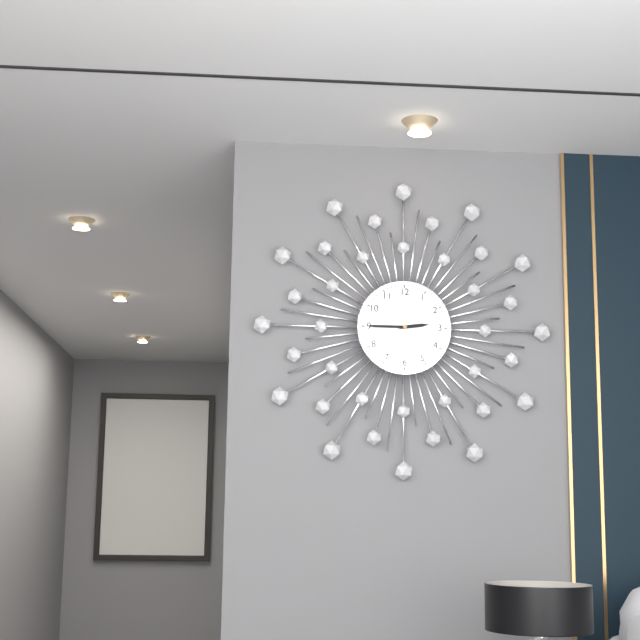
**2:45:25**
